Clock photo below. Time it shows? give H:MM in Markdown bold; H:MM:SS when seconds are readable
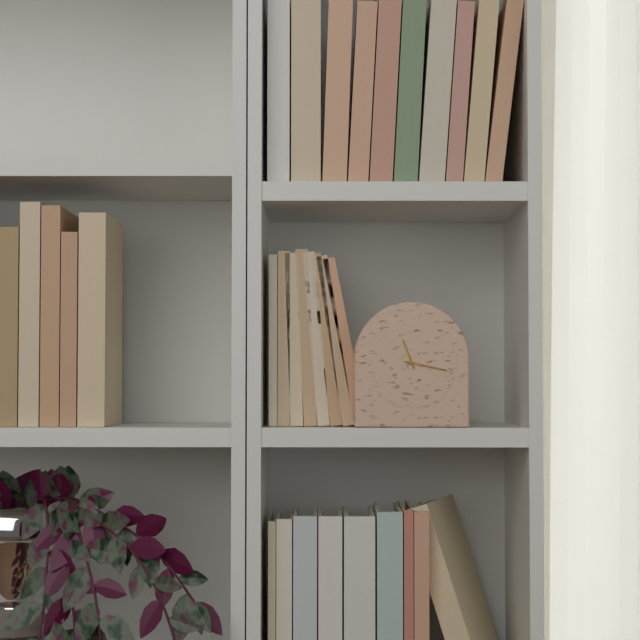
**11:17**
